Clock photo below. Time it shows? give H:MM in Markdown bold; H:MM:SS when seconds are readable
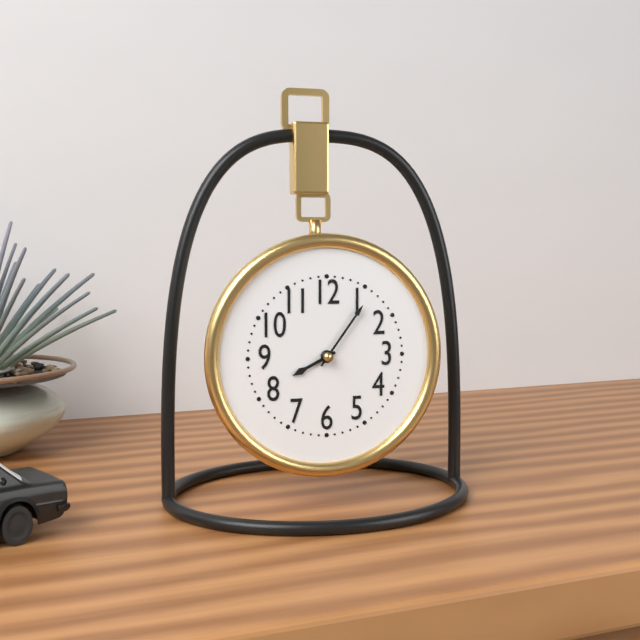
**8:06**
